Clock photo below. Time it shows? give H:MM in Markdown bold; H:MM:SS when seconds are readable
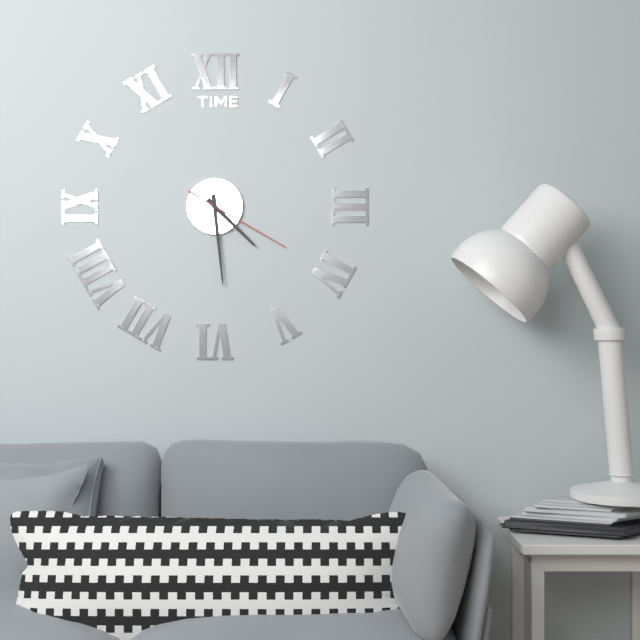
**4:29:20**
